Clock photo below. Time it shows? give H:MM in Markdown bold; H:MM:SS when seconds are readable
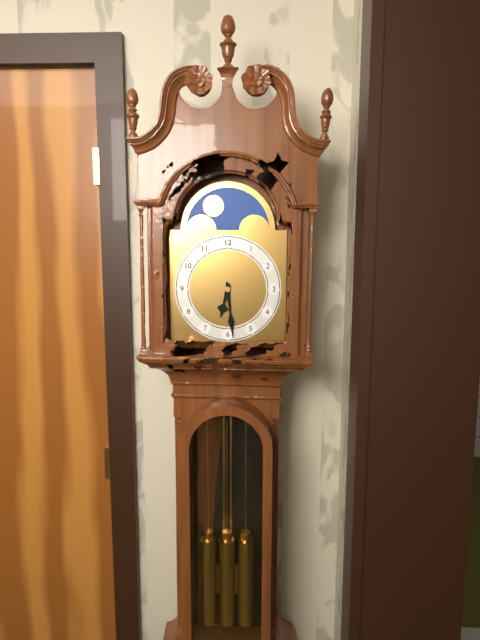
**6:29**
